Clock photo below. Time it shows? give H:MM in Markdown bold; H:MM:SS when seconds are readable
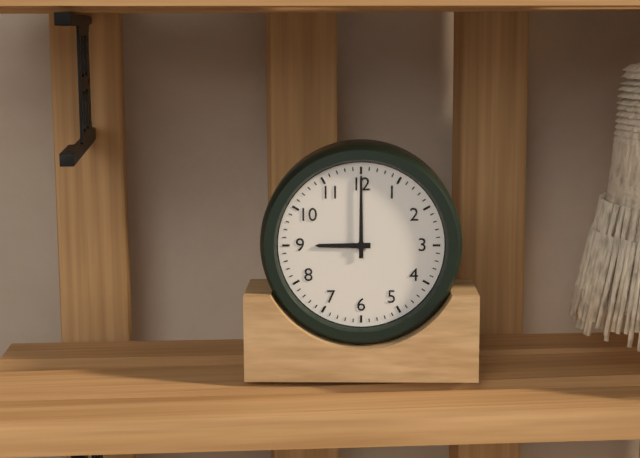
**9:00**
